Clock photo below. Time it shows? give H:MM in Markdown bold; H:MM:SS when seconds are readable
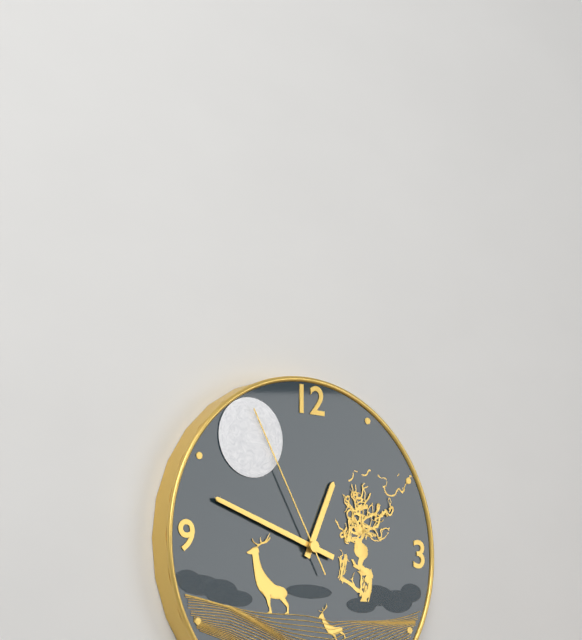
**12:48:55**
